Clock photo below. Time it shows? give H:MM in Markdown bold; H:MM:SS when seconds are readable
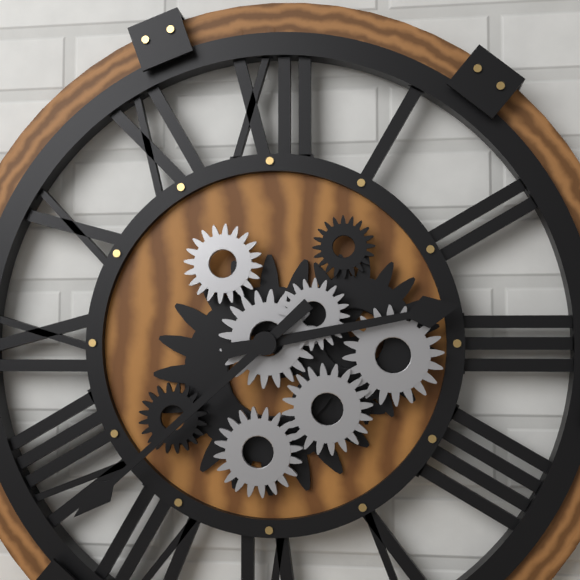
**2:38**
